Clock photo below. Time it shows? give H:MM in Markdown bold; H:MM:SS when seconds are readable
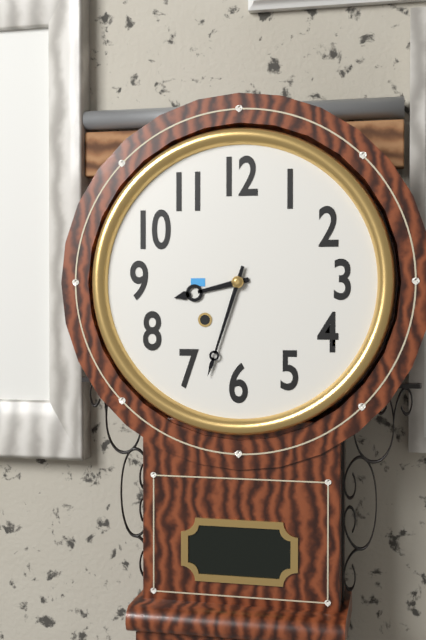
**8:33**
